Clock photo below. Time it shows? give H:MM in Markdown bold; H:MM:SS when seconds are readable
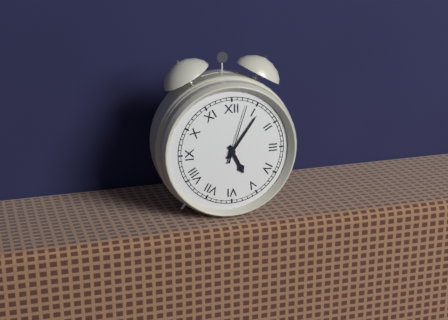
**5:06:03**
